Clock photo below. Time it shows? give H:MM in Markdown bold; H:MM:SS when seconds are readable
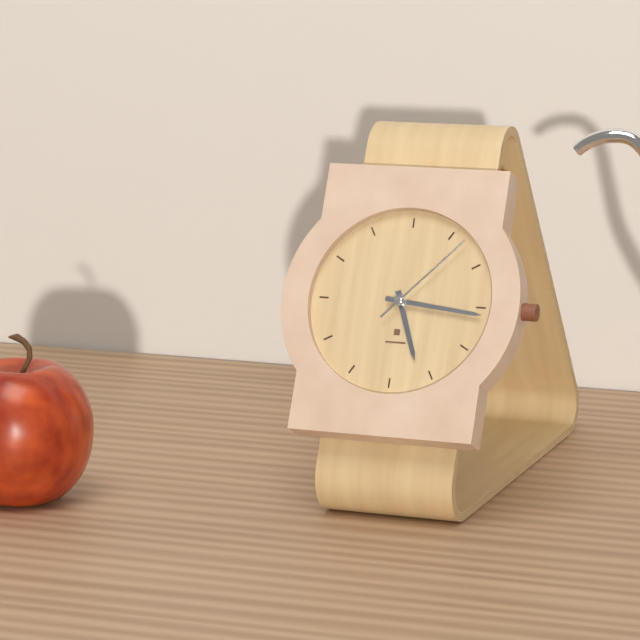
**5:16:07**
